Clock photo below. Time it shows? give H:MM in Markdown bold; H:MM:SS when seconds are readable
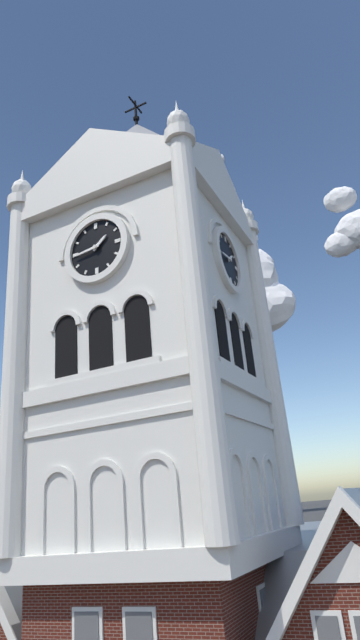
**1:44**
